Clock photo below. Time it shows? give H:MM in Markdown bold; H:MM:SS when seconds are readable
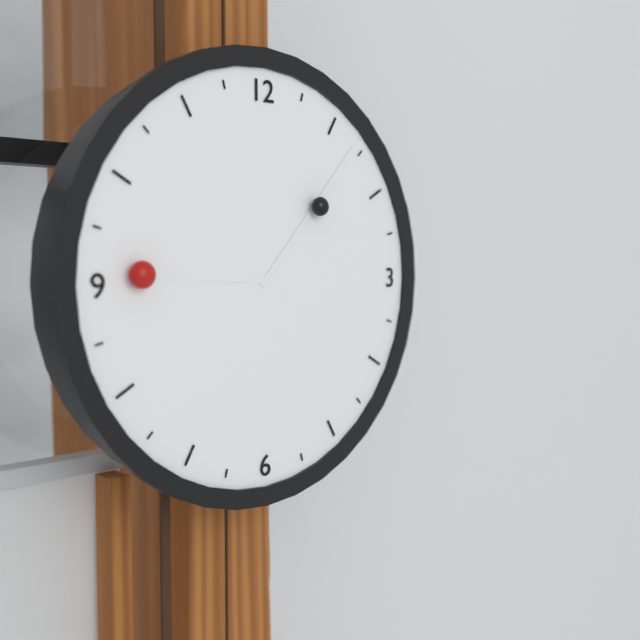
**9:07**
